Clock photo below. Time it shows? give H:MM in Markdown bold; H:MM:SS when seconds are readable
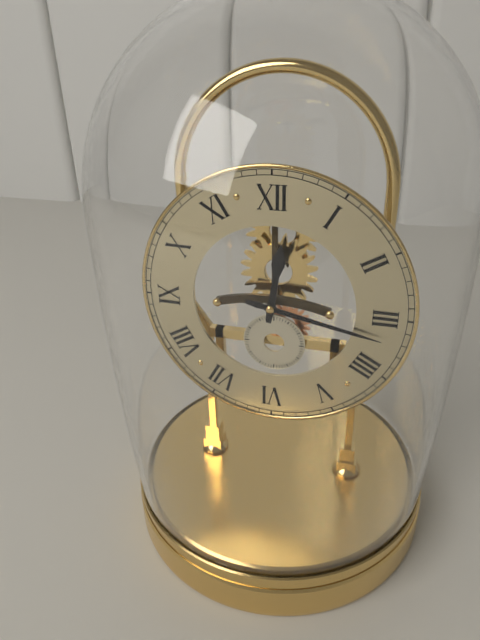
**12:17**
